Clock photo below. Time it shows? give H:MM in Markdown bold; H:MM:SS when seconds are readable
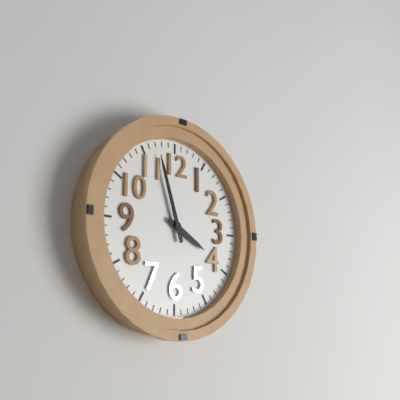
**3:57**
